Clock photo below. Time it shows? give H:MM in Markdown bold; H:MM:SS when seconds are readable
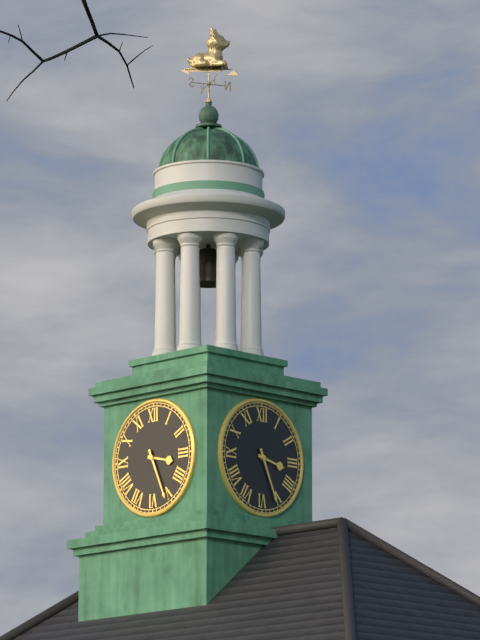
**3:26**
